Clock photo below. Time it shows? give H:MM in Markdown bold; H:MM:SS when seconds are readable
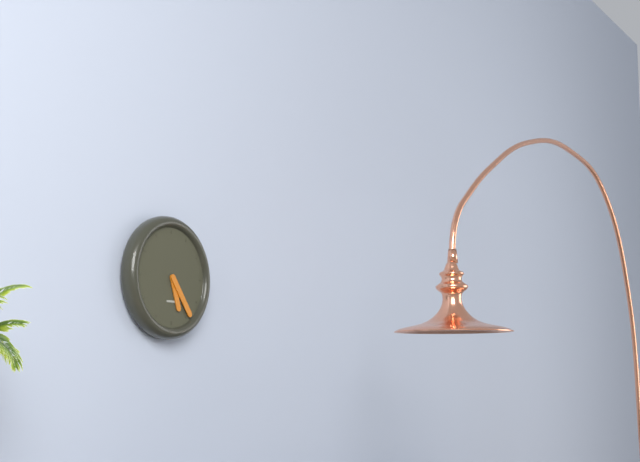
**5:24**
